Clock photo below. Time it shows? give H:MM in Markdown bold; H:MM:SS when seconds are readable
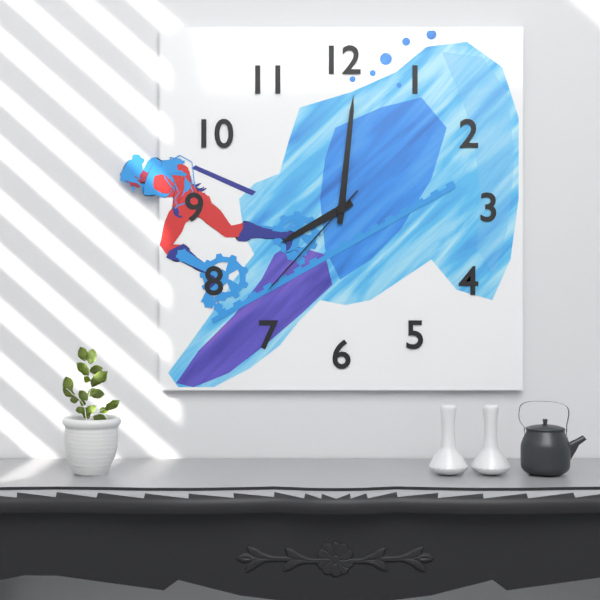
**8:01:37**
